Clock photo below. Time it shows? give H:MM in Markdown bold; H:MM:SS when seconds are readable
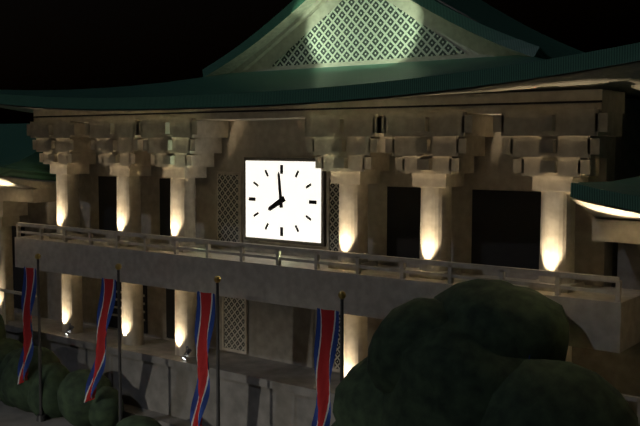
**7:59**
